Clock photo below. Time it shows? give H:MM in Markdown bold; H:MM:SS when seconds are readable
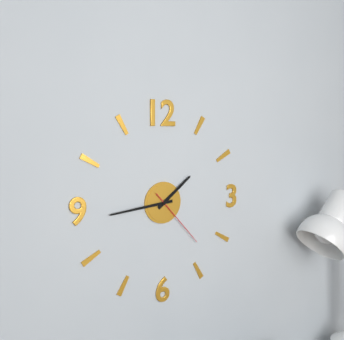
**1:44:23**
